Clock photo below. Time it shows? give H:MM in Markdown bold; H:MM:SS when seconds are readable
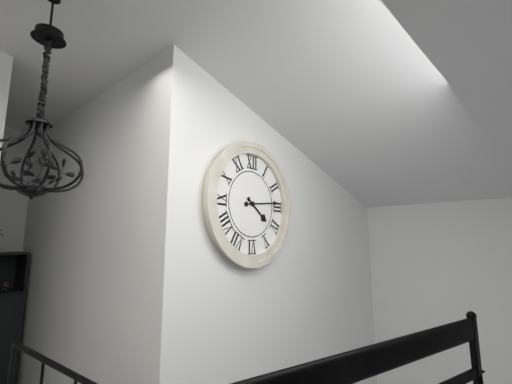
**4:14**
